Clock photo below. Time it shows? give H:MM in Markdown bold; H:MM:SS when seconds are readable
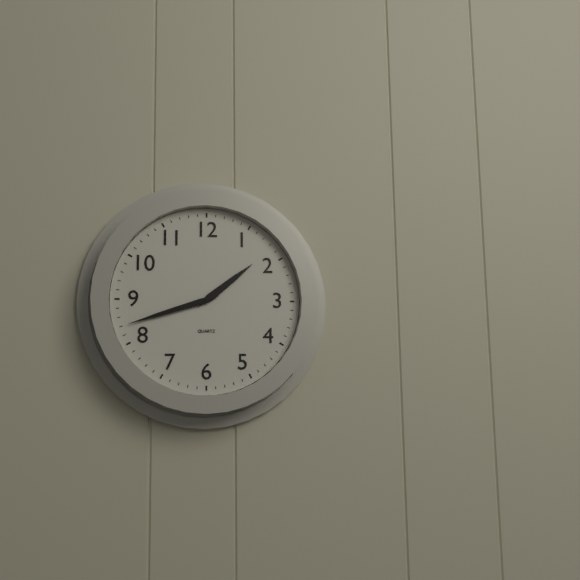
**1:42**
